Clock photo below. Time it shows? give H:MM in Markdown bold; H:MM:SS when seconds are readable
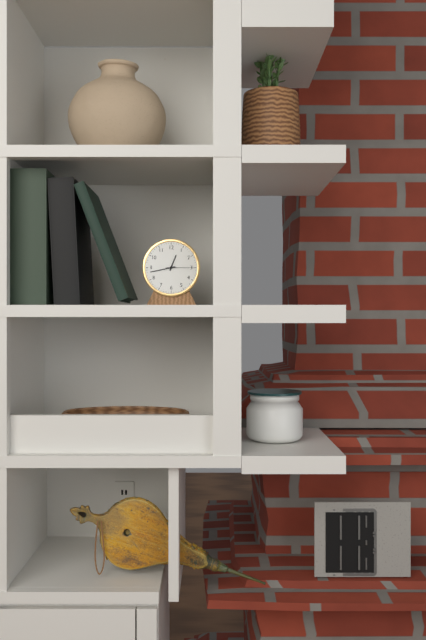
**12:43**
